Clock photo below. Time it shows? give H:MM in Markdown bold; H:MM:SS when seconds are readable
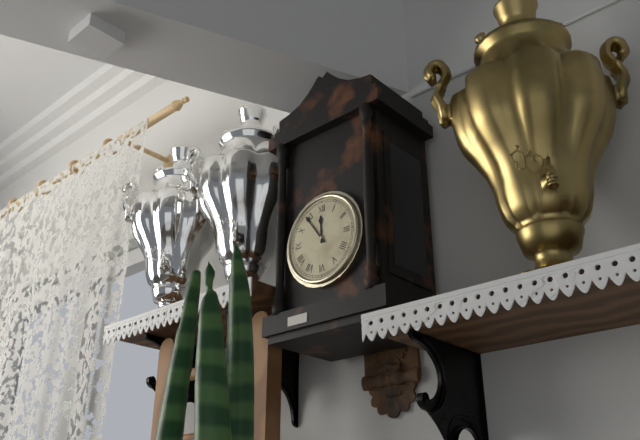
**11:54**
